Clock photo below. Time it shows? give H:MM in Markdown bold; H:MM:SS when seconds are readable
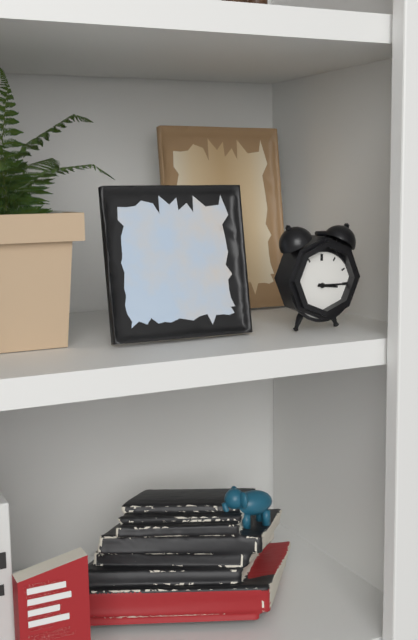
**3:15**
